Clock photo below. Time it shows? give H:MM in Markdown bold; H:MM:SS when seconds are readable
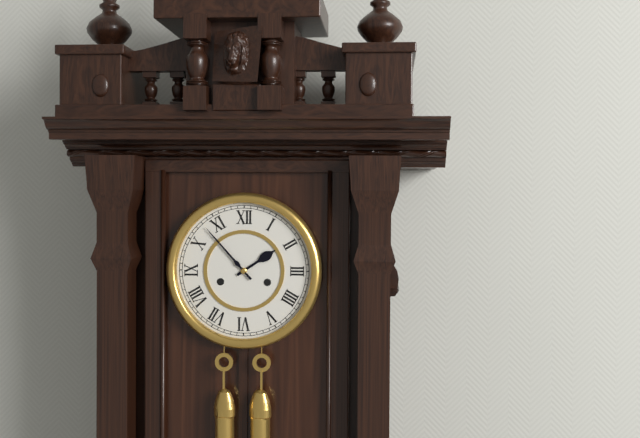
**1:53**
